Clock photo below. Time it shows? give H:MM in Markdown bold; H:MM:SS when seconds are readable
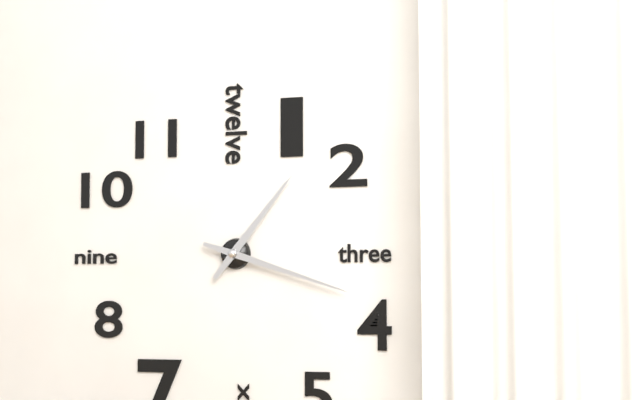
**1:18**
